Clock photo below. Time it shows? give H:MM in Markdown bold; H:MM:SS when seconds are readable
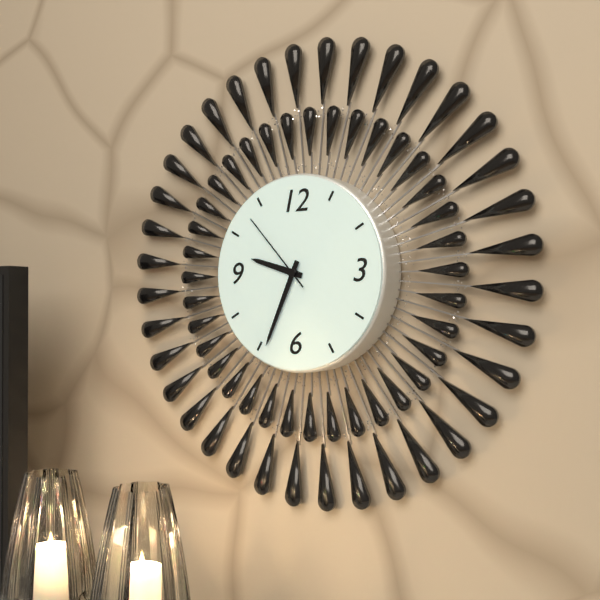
**9:34:53**
